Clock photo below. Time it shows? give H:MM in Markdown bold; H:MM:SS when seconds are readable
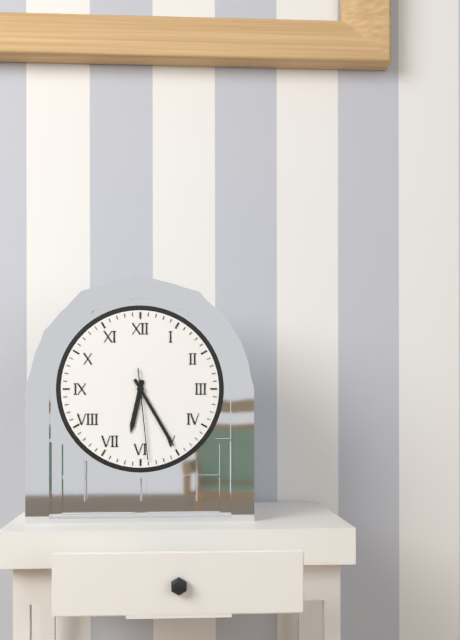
**6:25:29**
